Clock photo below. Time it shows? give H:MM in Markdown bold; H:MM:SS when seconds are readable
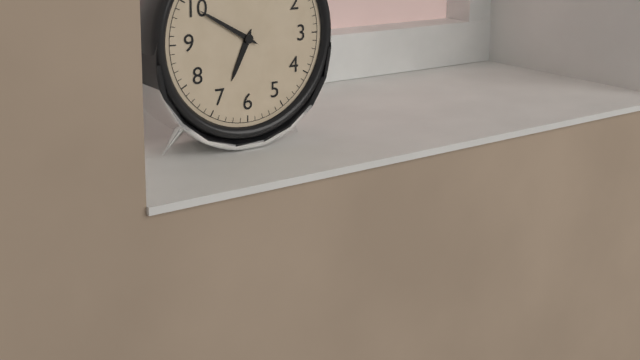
**6:50**
